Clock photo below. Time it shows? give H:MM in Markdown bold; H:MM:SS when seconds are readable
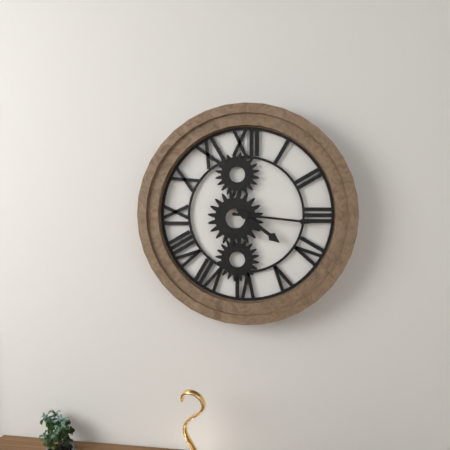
**4:16**
